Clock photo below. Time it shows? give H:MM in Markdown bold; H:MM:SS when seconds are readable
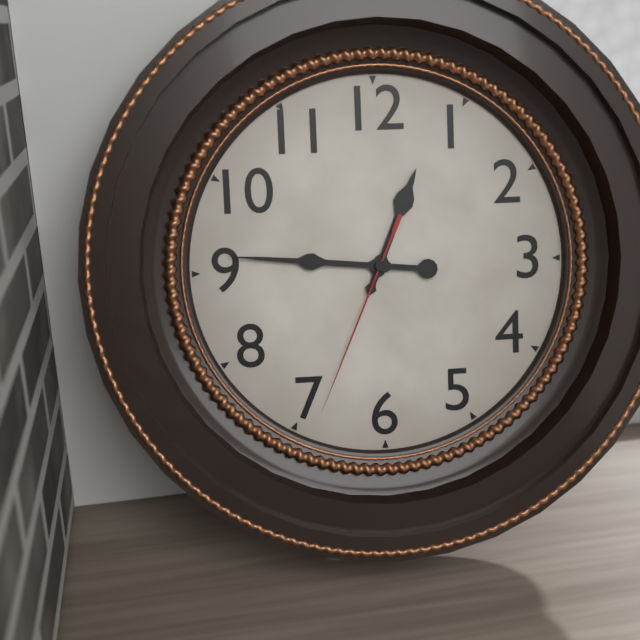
**12:46:34**
